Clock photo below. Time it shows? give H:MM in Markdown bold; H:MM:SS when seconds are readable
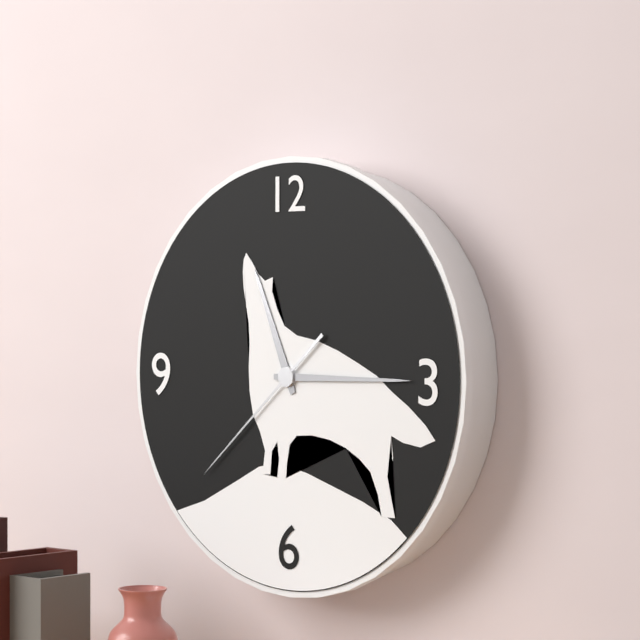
**11:15:38**
